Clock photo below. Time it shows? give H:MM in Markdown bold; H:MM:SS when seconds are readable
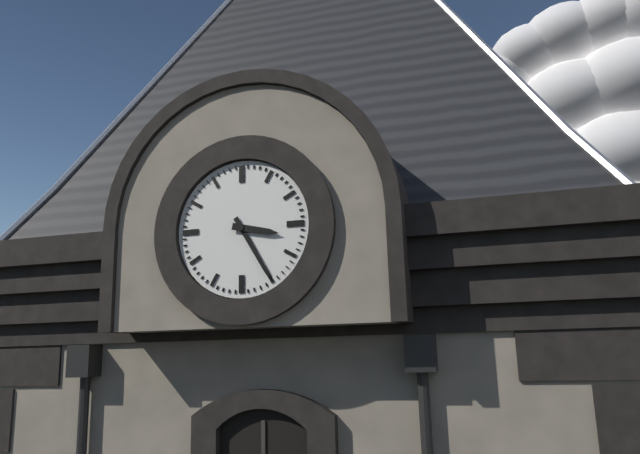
**3:25**
